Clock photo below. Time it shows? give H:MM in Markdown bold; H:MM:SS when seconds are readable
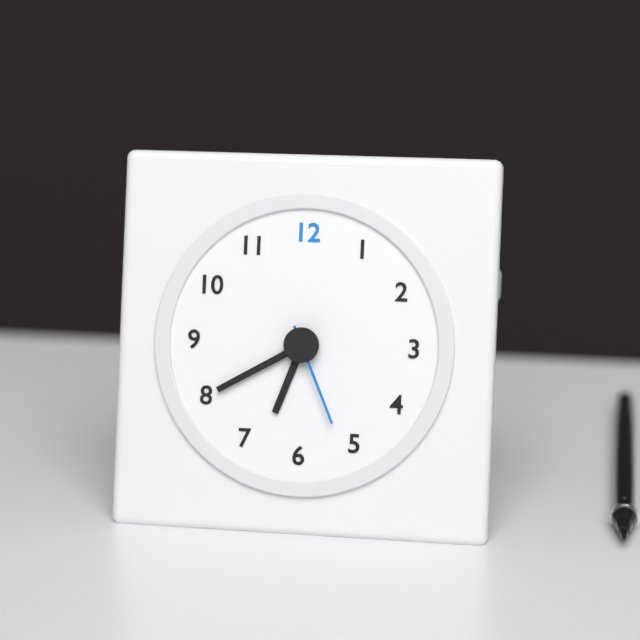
**6:40:26**
